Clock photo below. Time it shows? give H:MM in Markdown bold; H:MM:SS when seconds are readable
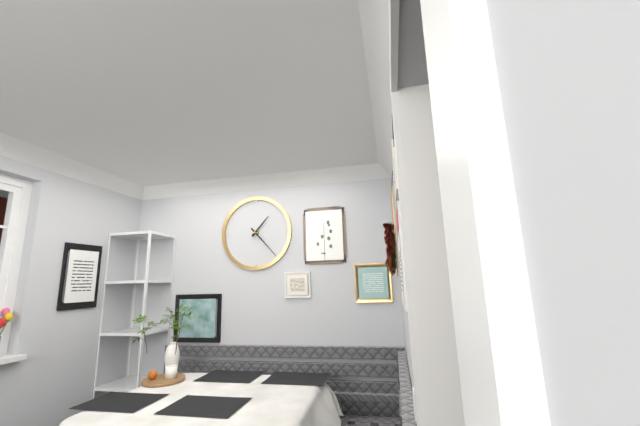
**1:23**
